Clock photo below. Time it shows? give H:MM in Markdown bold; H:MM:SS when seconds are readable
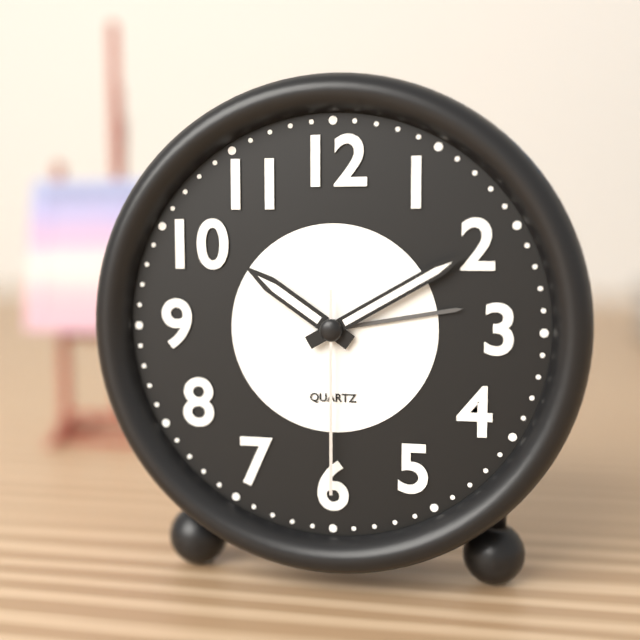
**10:10:30**
